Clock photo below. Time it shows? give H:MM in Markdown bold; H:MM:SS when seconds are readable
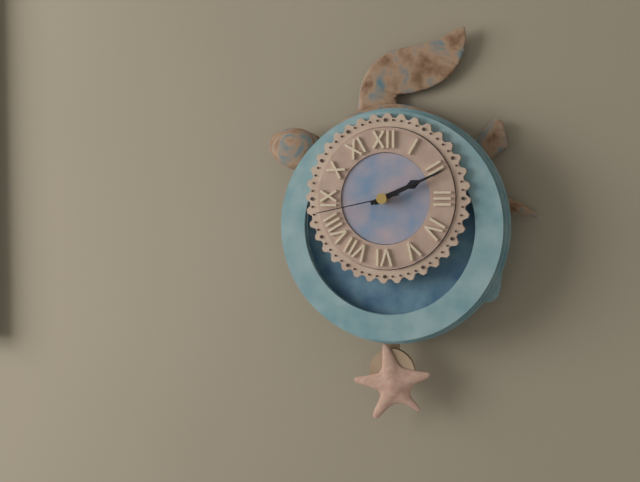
**2:11:43**
